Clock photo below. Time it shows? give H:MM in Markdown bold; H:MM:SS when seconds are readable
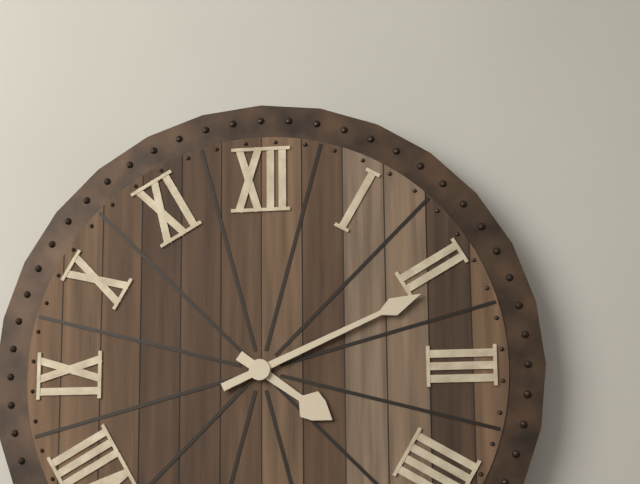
**4:11**
